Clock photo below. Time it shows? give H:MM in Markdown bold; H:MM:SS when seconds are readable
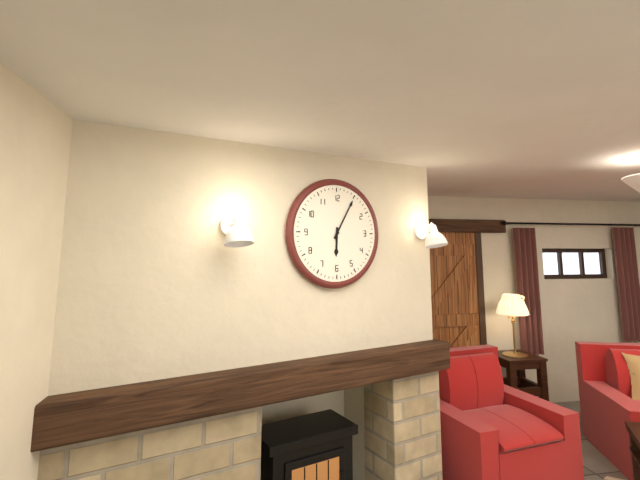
**6:05**
